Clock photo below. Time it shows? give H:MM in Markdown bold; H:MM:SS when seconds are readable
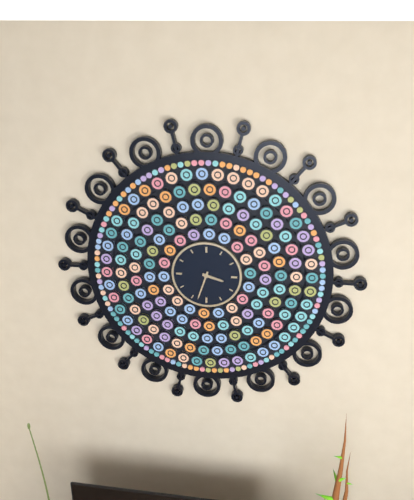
**3:33**
